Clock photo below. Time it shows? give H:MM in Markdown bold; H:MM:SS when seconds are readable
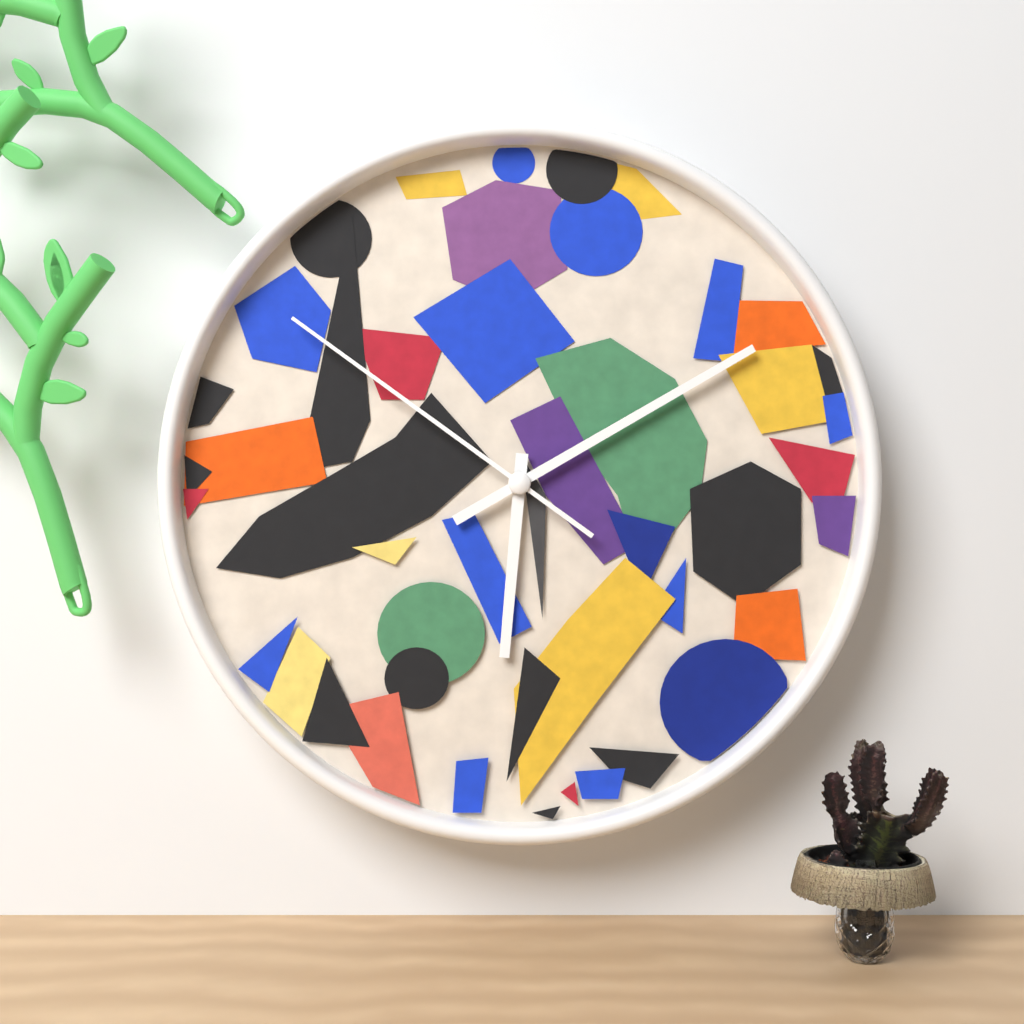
**6:10:51**
